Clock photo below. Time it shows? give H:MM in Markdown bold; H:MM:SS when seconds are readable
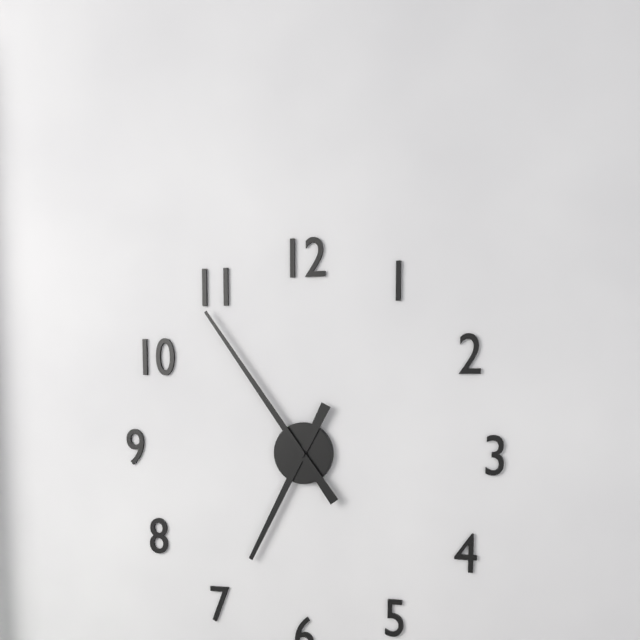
**6:54**
